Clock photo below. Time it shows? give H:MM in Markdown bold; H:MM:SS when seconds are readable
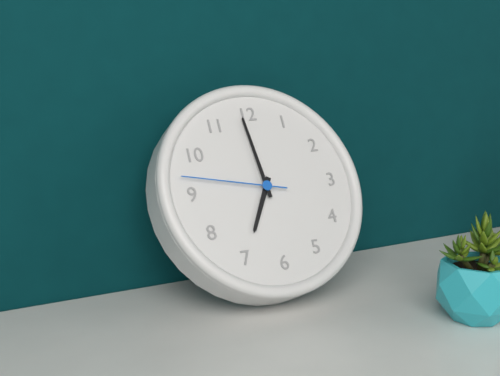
**6:59:47**
